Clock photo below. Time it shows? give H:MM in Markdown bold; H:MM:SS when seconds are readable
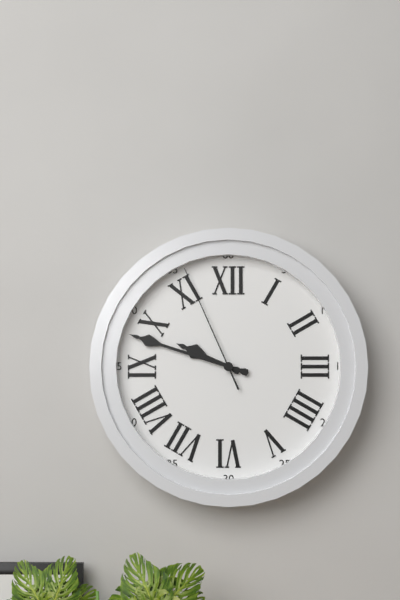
**9:48:56**
